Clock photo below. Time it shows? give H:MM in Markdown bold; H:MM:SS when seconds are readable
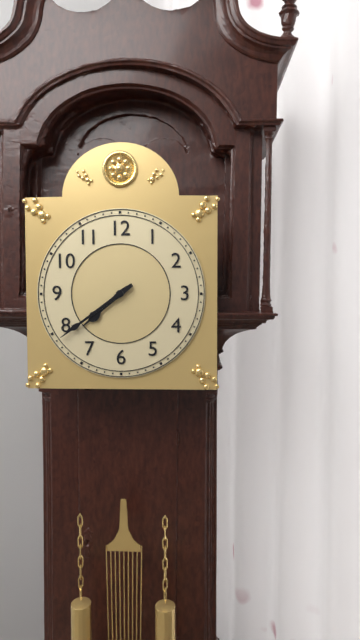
**7:39**
